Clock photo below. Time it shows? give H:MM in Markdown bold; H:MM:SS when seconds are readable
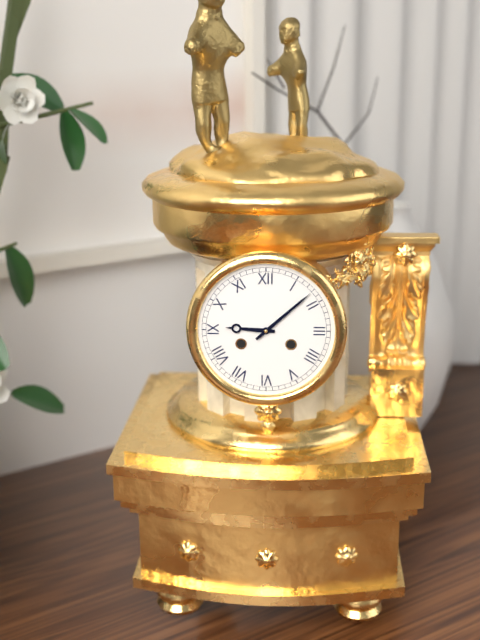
**9:08**
